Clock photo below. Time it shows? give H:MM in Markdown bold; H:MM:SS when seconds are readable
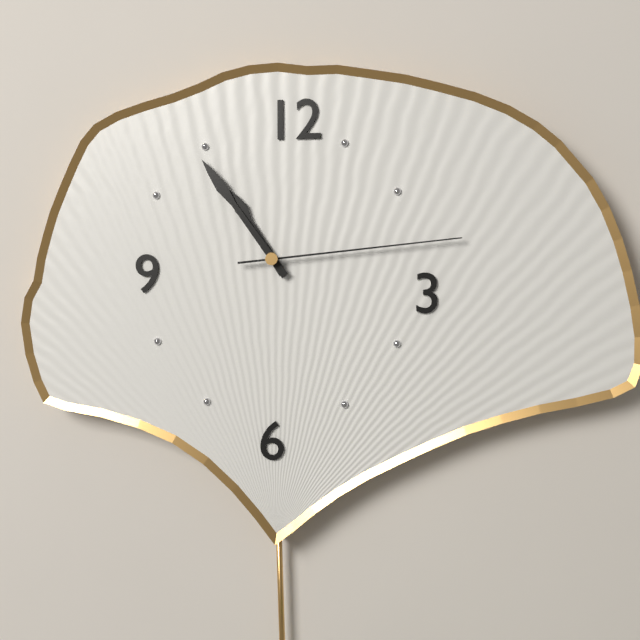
**10:54:14**
